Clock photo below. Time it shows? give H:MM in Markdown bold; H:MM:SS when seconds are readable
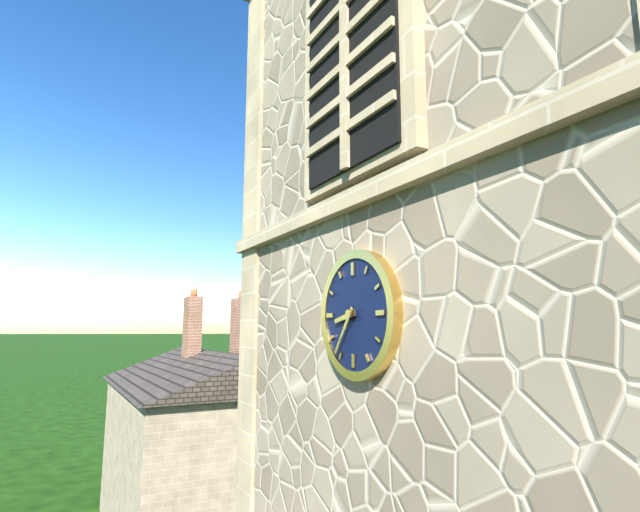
**8:36**
